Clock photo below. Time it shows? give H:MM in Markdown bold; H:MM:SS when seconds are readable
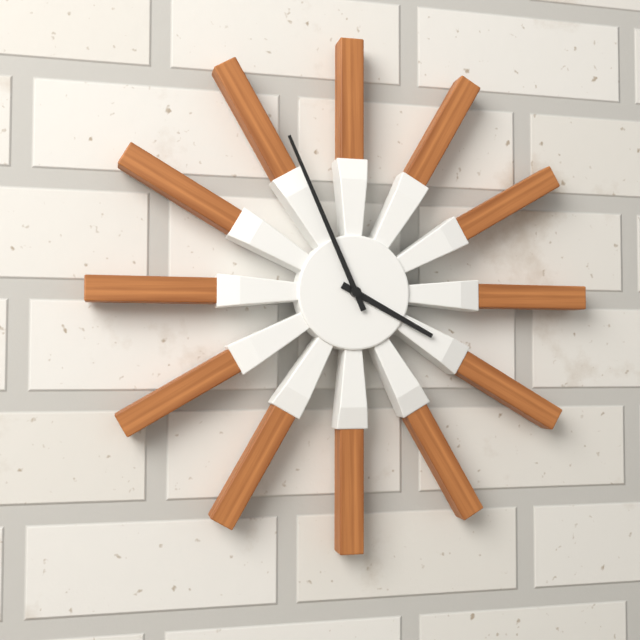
**3:56**
